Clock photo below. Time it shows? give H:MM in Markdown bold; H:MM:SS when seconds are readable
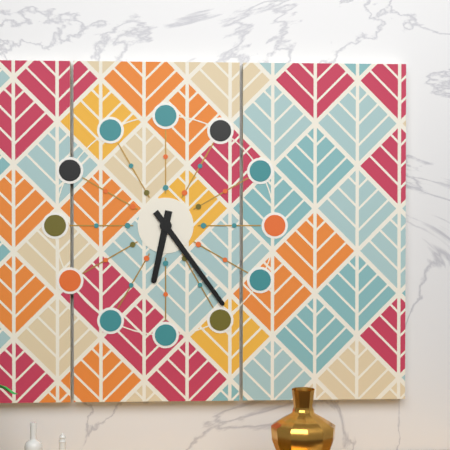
**6:24**
